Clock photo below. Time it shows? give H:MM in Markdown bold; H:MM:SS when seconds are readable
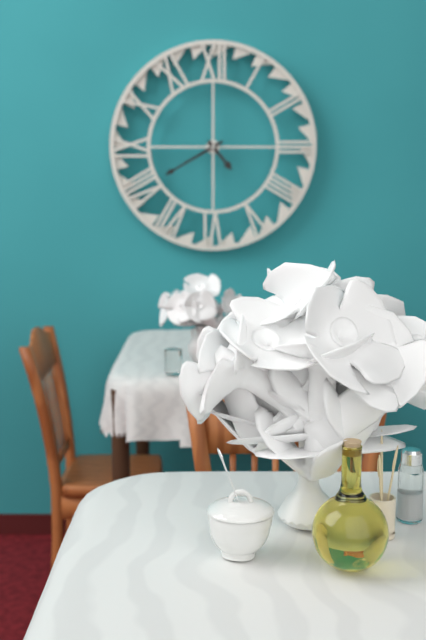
**4:40**
